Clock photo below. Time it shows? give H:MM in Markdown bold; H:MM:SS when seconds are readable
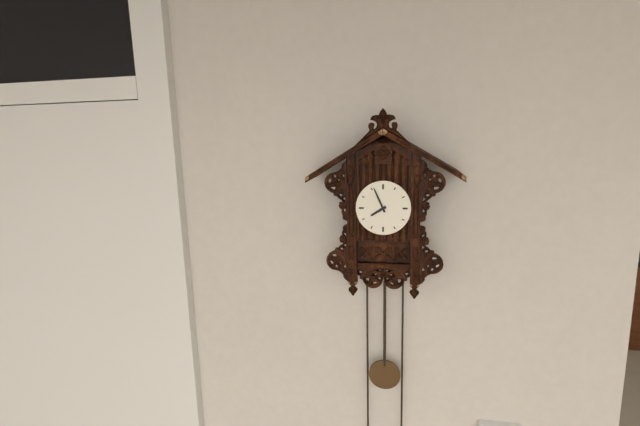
**7:56**
